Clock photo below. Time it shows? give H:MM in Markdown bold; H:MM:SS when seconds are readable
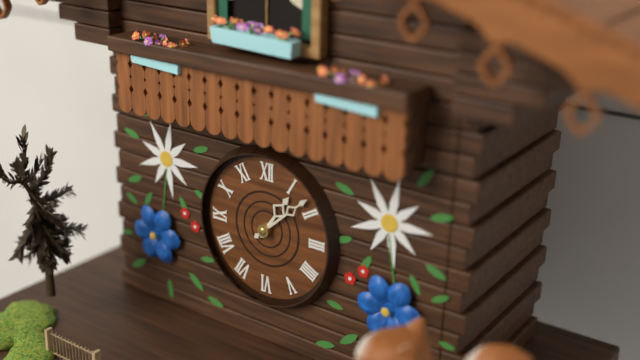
**1:08**
